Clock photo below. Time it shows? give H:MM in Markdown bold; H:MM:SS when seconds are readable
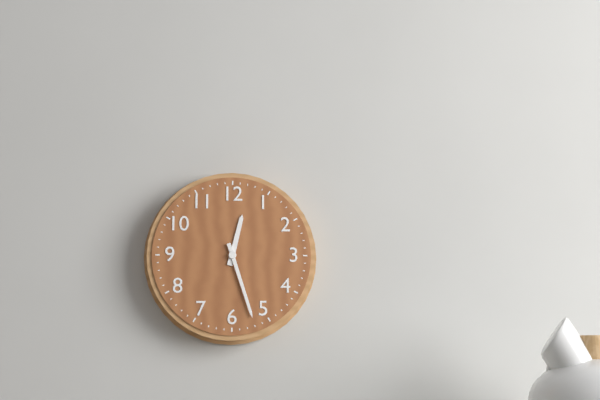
**12:27**
